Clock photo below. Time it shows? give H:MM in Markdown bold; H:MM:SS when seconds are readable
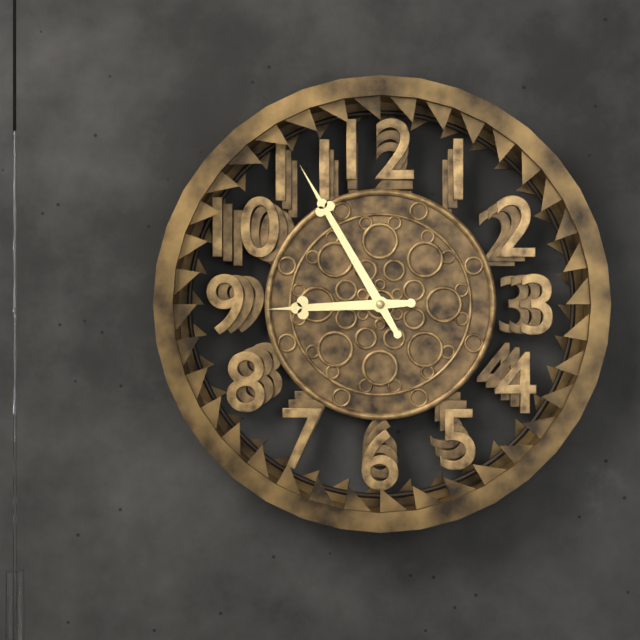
**8:55**
